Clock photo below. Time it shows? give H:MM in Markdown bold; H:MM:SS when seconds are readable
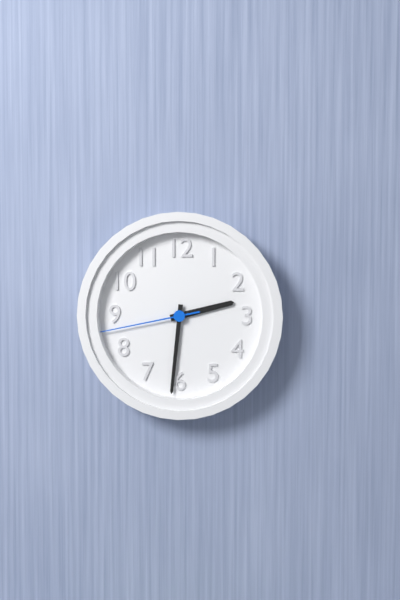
**2:31:43**
